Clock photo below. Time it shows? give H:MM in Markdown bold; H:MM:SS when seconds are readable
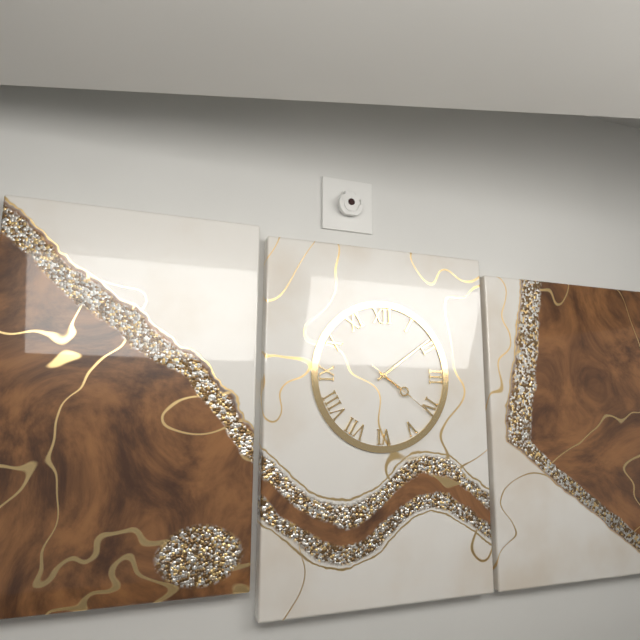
**4:09:21**
